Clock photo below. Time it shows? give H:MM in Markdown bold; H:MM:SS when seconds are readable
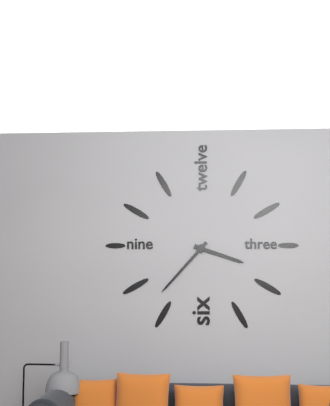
**3:37**
